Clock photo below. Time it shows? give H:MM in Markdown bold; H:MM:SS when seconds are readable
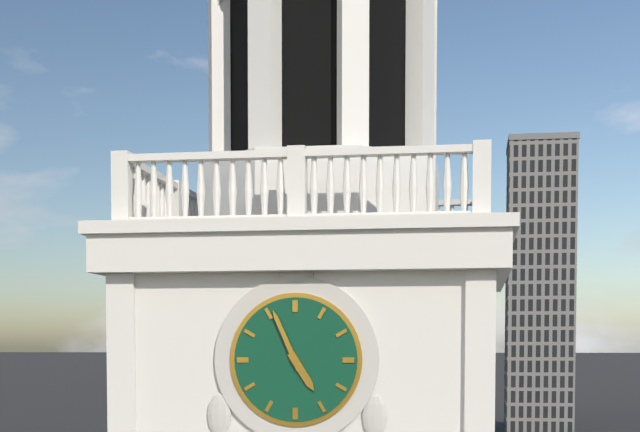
**4:56**
